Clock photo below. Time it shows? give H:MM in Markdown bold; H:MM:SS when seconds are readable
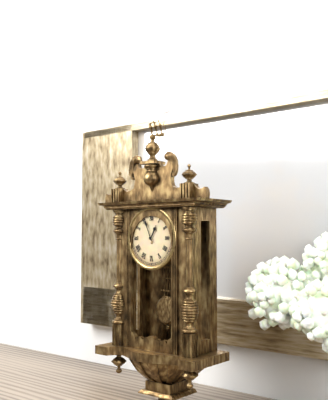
**12:56**
